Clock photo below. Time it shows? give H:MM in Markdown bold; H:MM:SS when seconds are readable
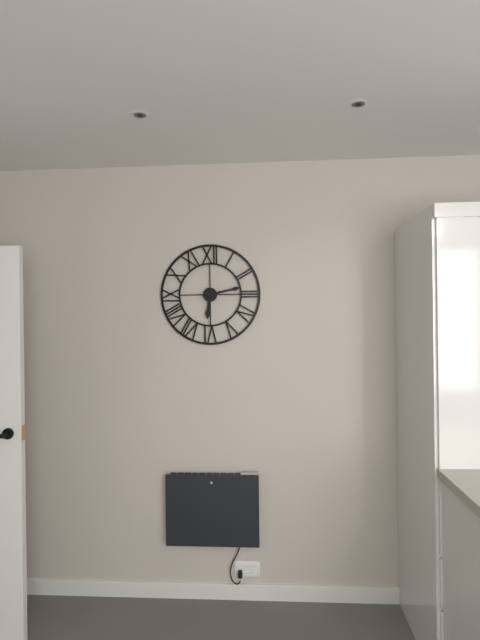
**6:13**
